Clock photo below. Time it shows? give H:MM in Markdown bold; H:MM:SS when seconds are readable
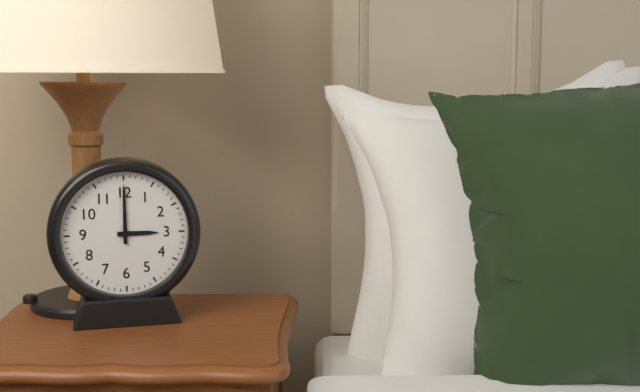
**3:00**
